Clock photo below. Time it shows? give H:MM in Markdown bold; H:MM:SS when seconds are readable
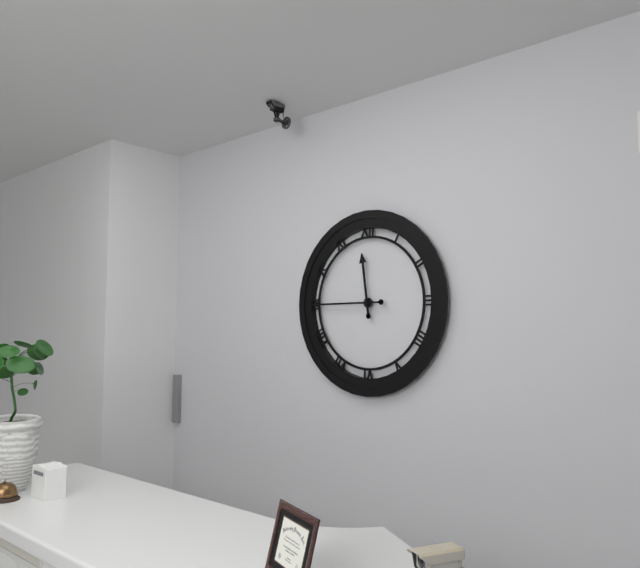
**11:45**
